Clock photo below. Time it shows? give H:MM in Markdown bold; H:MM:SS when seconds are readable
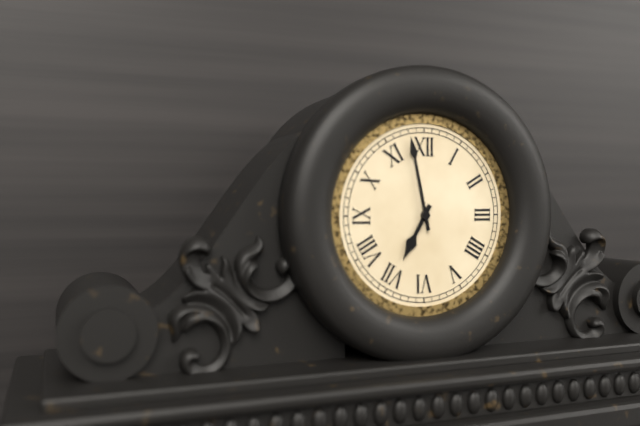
**6:58**
